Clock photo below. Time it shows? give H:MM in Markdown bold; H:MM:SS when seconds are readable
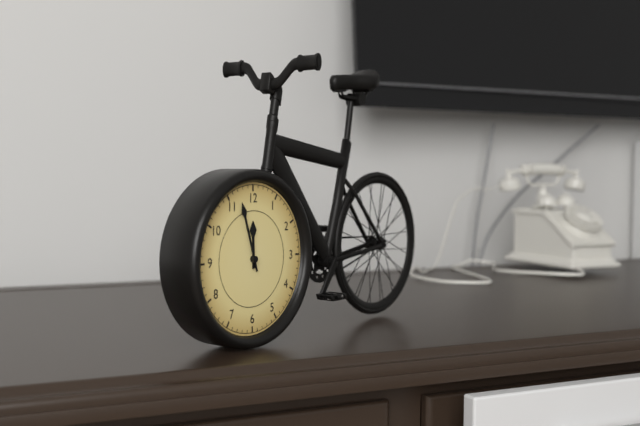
**11:57**
